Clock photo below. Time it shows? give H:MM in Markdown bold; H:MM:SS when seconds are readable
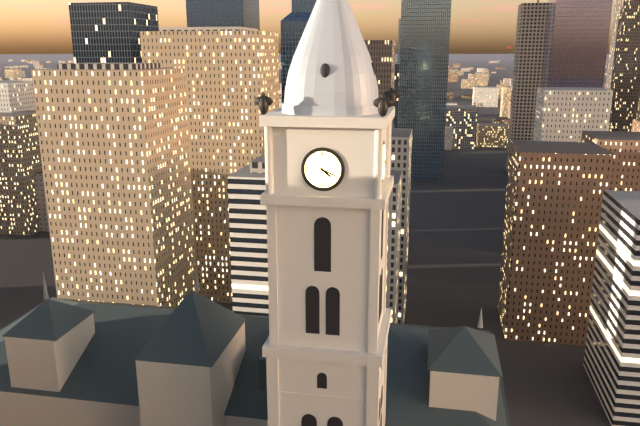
**4:19**
